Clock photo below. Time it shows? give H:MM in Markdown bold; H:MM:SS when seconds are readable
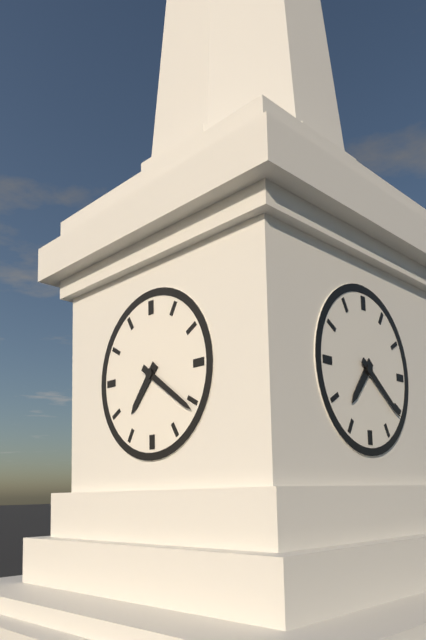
**7:21**
